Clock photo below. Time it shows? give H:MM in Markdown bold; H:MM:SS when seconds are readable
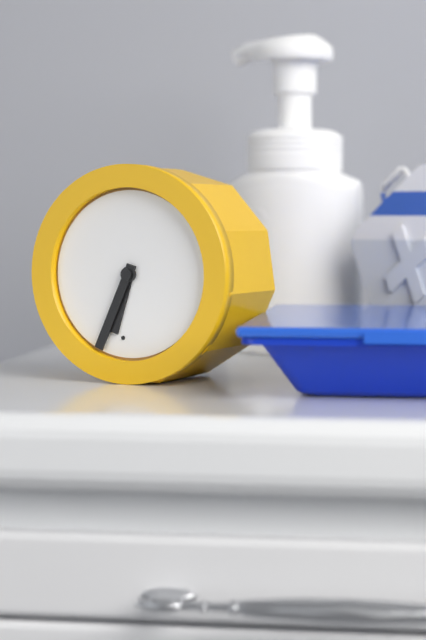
**6:34**
